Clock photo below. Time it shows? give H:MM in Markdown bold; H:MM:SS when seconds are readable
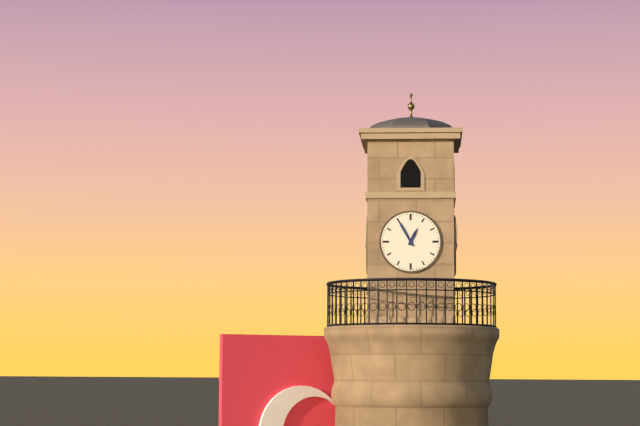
**12:55**
